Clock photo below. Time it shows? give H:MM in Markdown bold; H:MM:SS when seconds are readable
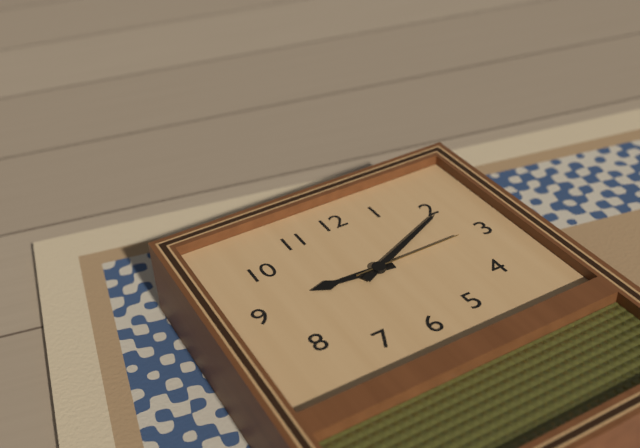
**9:11:15**
